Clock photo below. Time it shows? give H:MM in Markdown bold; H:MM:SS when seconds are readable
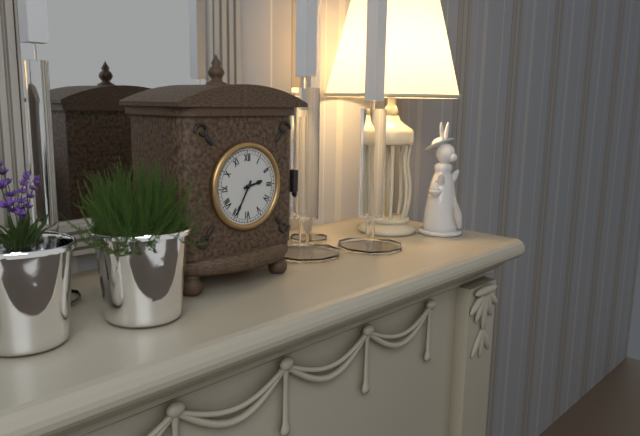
**2:35**
